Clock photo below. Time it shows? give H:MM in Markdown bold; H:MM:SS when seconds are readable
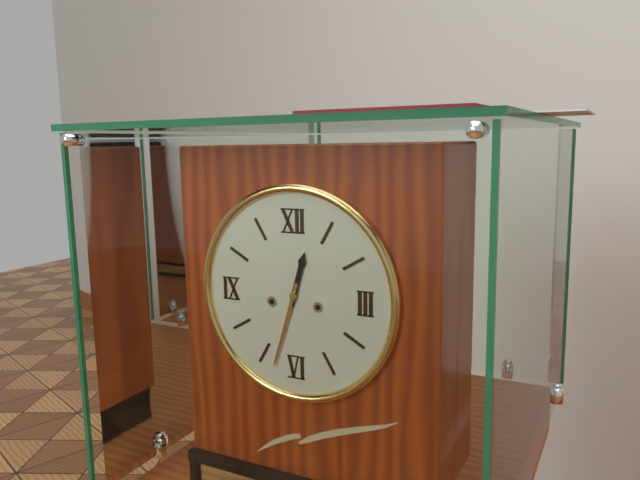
**12:33**
